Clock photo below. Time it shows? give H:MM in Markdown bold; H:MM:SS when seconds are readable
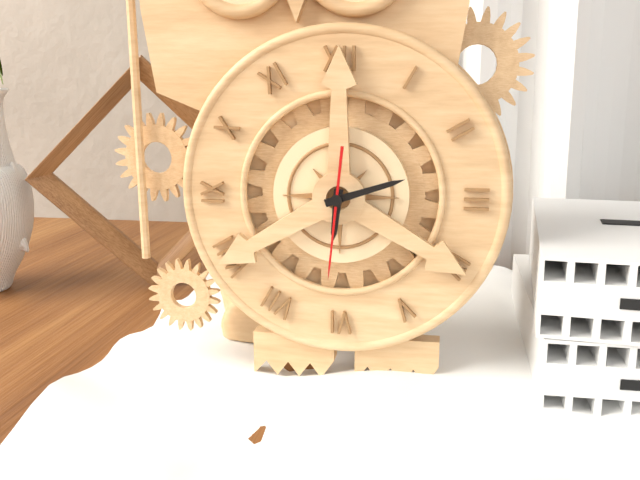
**6:12:31**
